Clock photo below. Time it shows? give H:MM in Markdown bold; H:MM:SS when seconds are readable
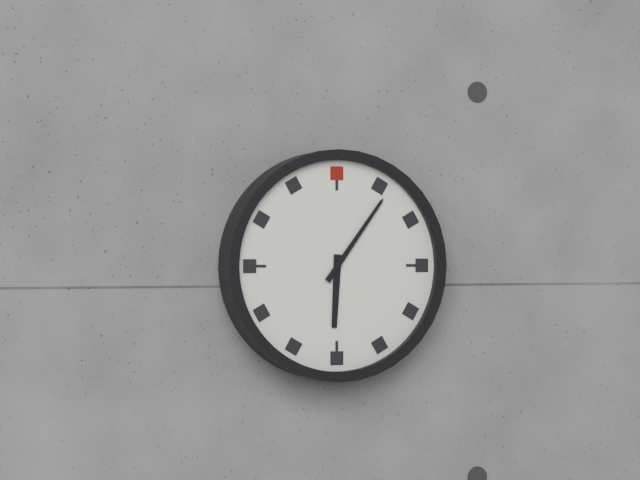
**6:06**
